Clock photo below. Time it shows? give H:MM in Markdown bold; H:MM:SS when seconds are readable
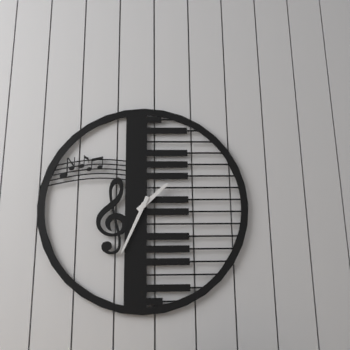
**1:34**
